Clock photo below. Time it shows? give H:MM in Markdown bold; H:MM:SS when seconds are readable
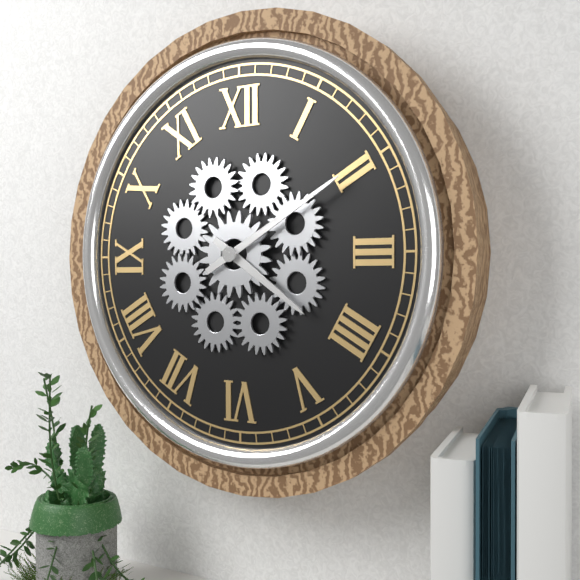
**4:10**
